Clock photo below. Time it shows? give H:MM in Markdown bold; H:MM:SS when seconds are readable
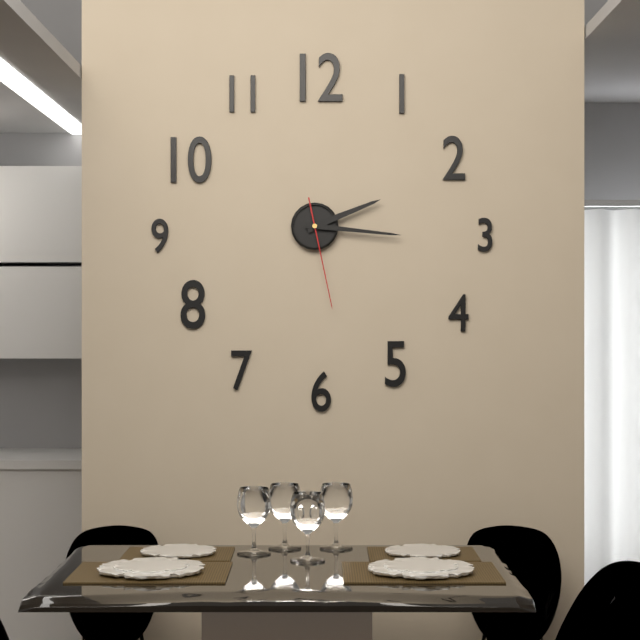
**2:16:28**
